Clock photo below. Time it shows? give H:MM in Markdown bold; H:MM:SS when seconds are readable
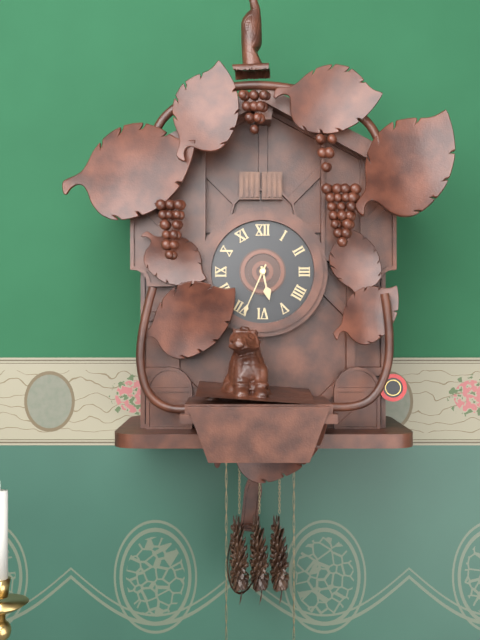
**5:34**
